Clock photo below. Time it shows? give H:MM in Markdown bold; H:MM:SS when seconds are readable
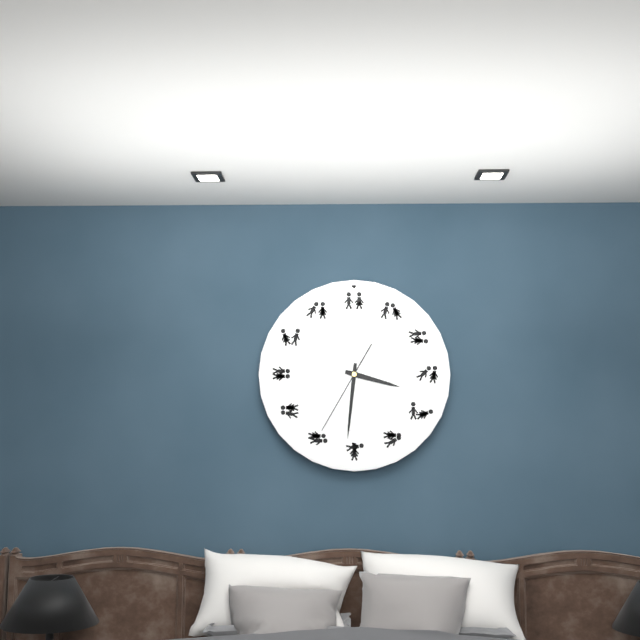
**3:31:35**
